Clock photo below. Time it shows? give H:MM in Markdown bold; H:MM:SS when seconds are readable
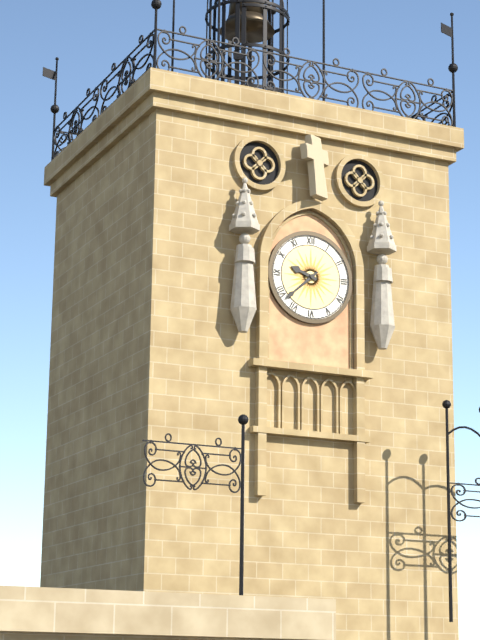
**9:38**
